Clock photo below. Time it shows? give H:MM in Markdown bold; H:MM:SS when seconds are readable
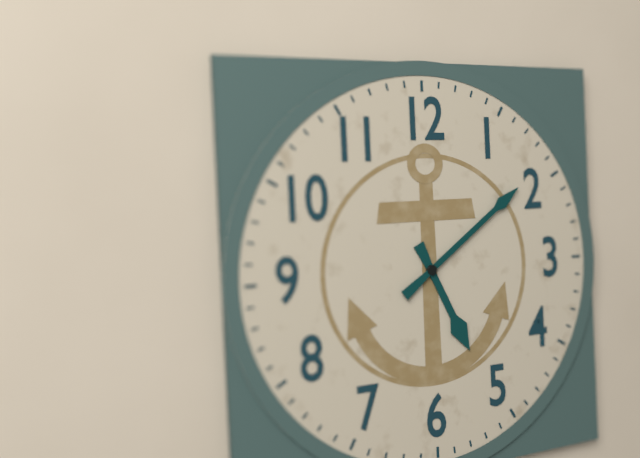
**5:09**
